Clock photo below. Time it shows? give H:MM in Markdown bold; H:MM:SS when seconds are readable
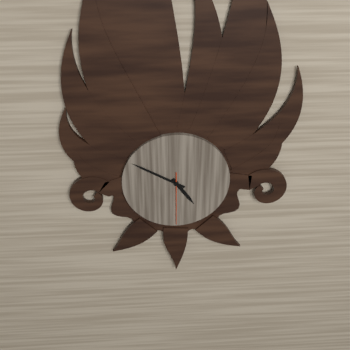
**4:50:30**
